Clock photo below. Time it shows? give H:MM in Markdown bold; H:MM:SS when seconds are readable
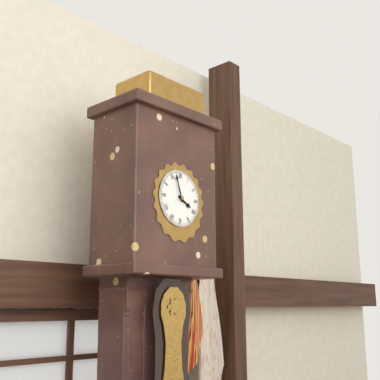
**3:57**
